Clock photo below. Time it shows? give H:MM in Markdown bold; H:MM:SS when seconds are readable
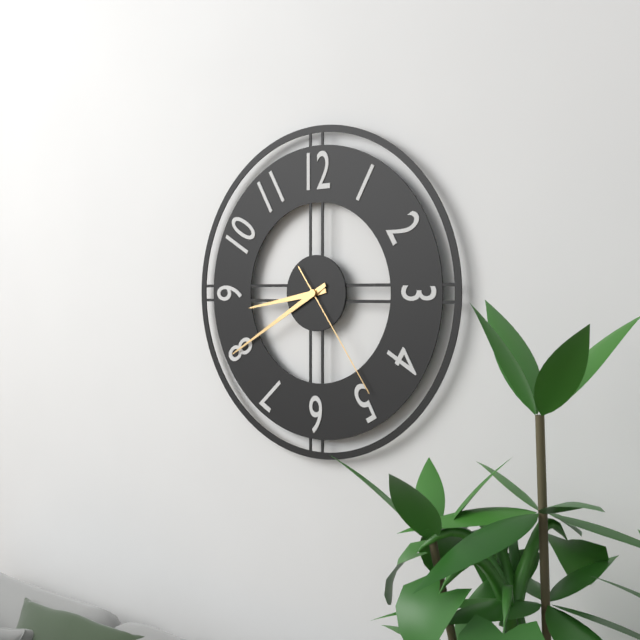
**8:40:24**
